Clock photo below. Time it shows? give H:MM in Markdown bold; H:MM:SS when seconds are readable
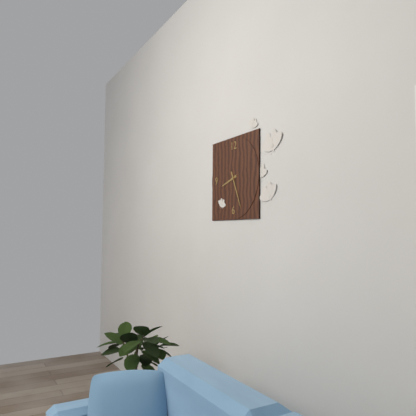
**8:26**
